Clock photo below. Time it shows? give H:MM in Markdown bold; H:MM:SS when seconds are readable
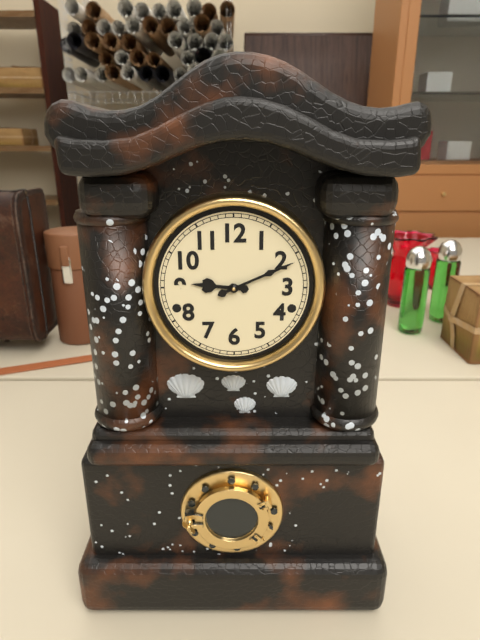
**9:11**
